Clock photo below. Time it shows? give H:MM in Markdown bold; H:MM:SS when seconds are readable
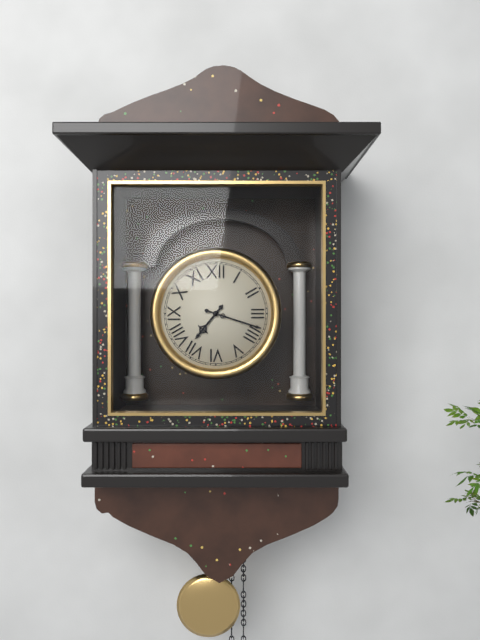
**7:18**
